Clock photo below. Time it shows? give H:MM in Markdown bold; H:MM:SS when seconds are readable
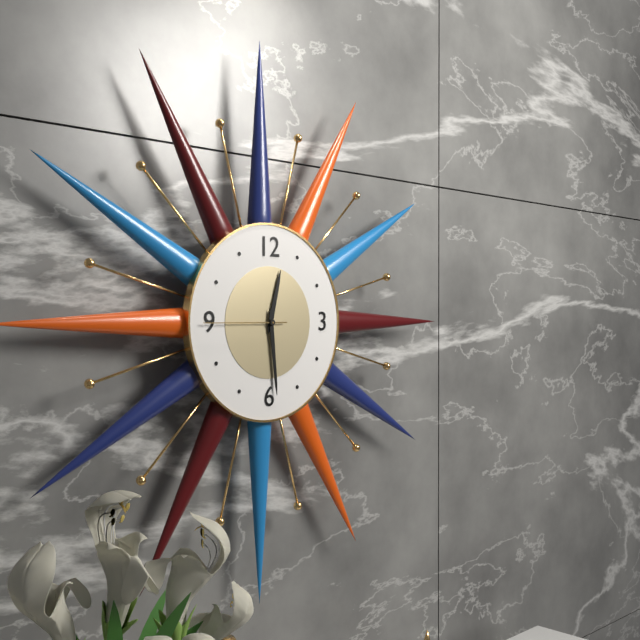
**12:29:45**
